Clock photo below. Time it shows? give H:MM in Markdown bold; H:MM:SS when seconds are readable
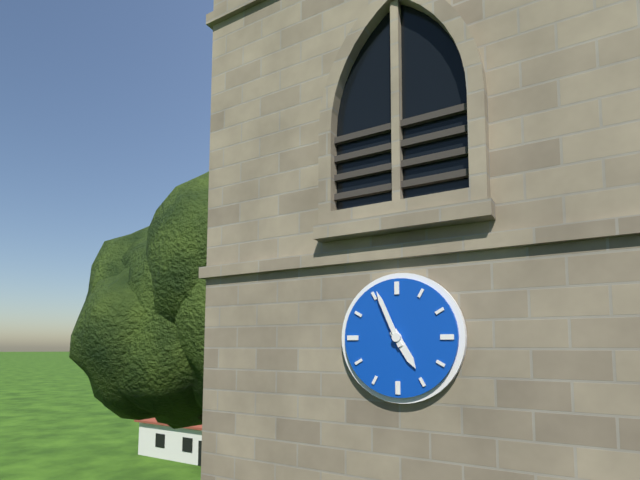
**4:56**
